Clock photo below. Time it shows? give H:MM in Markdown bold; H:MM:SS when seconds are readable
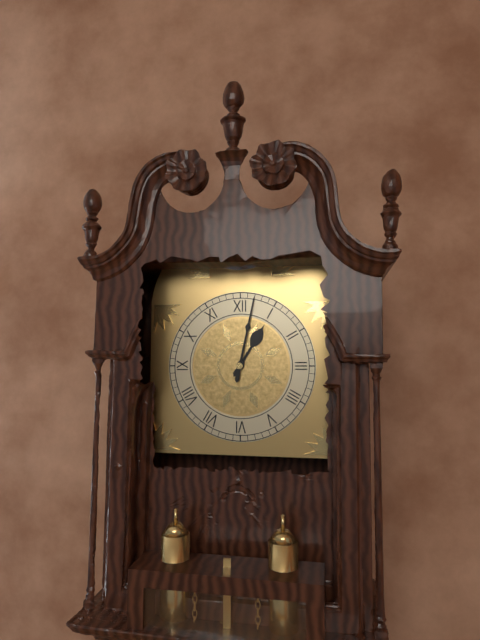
**1:02**
